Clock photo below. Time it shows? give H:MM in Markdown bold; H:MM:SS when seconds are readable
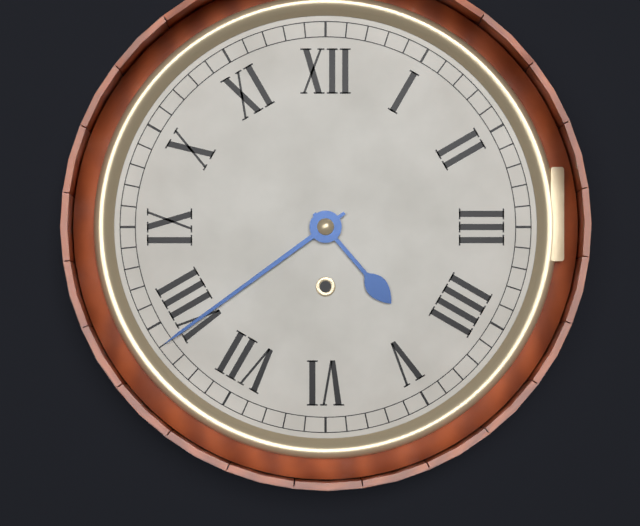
**4:39**
